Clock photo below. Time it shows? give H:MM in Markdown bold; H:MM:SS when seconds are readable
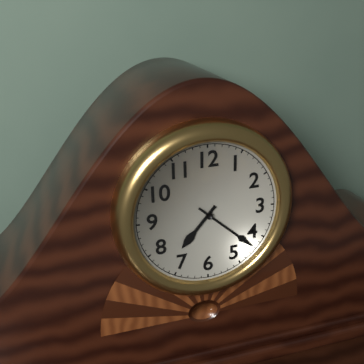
**7:22**
